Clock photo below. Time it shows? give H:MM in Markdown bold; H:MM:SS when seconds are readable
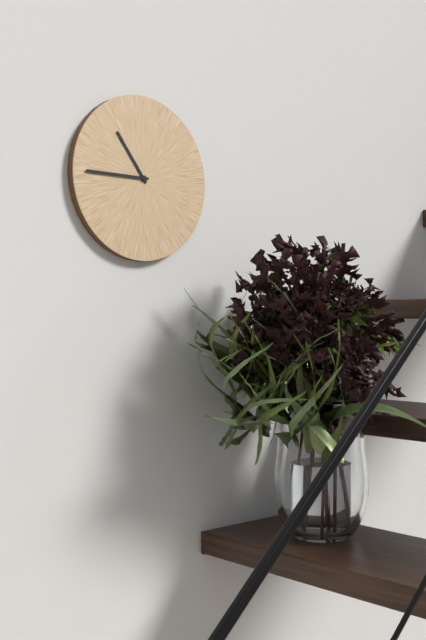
**10:45**
